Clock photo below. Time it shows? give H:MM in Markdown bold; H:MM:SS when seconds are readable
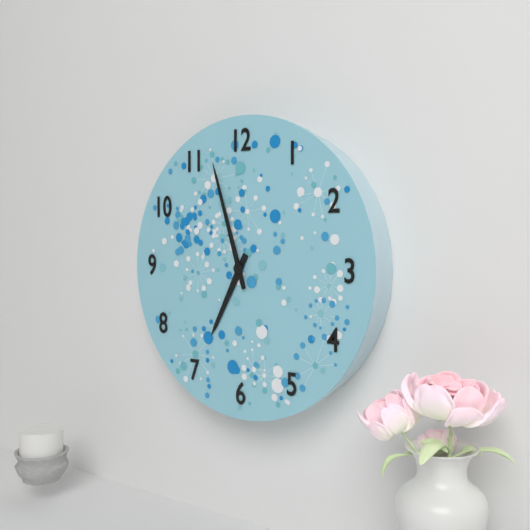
**6:57**
